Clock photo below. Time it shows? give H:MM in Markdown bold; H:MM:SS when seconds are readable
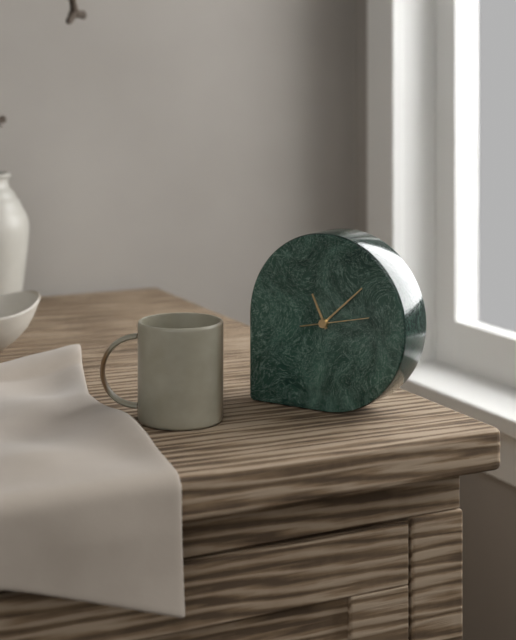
**11:08:13**
